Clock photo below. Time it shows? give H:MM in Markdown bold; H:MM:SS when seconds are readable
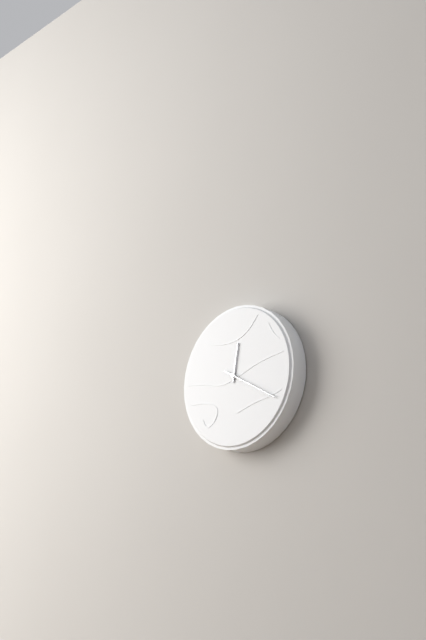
**12:20**
